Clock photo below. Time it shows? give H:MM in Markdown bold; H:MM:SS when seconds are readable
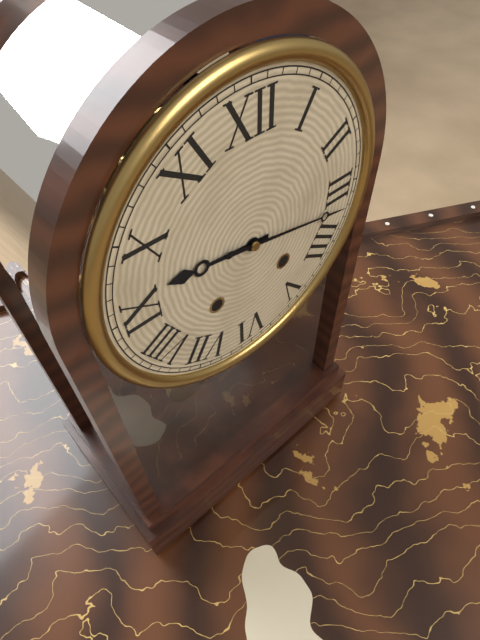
**9:17**
